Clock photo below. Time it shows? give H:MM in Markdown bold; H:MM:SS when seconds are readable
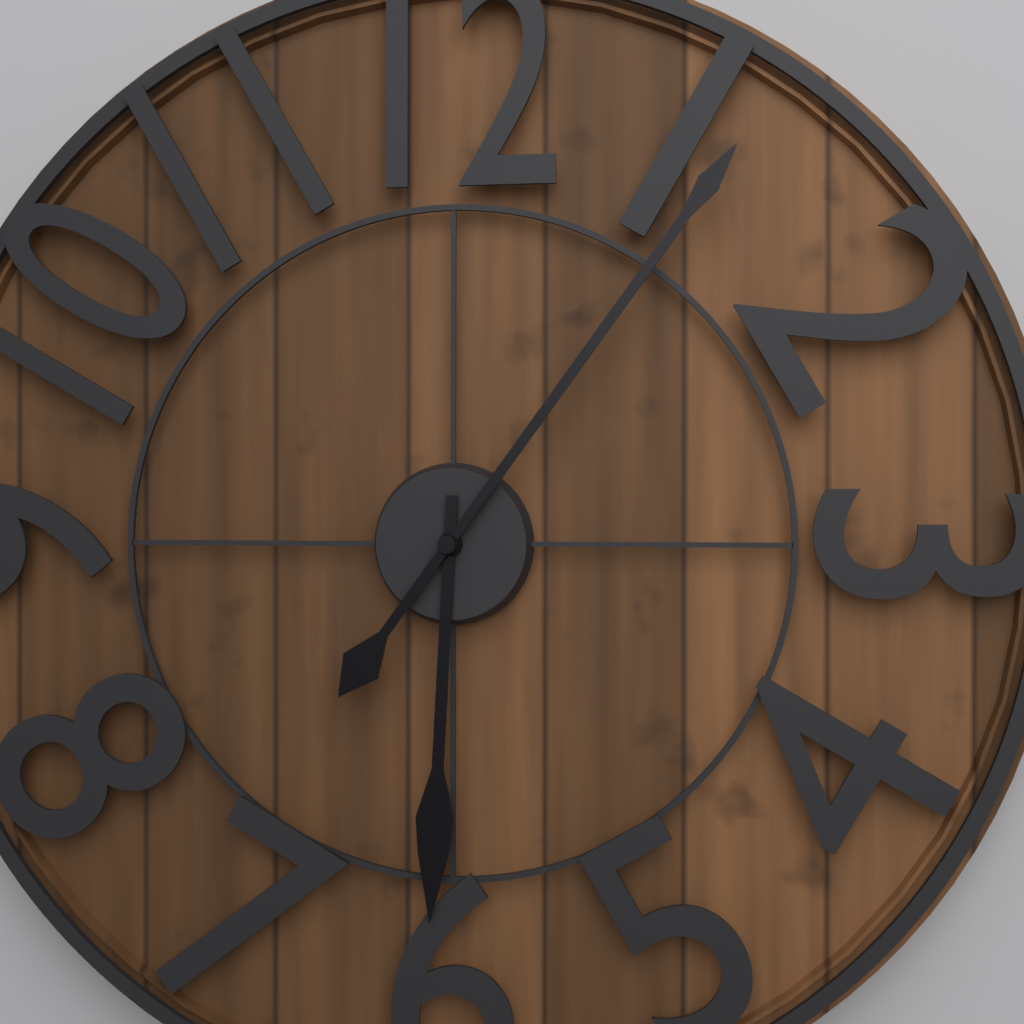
**6:06**
